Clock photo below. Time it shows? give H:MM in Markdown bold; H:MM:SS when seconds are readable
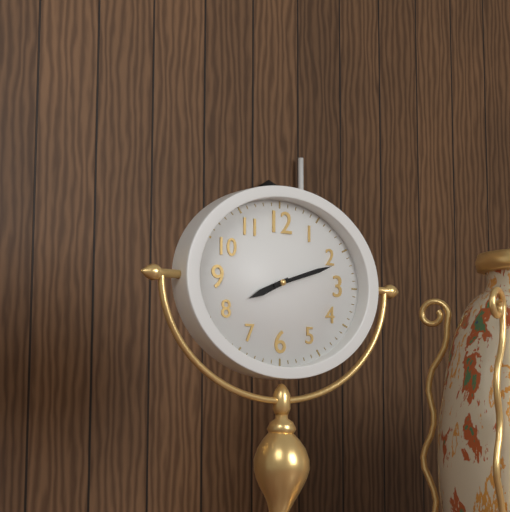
**8:12**
